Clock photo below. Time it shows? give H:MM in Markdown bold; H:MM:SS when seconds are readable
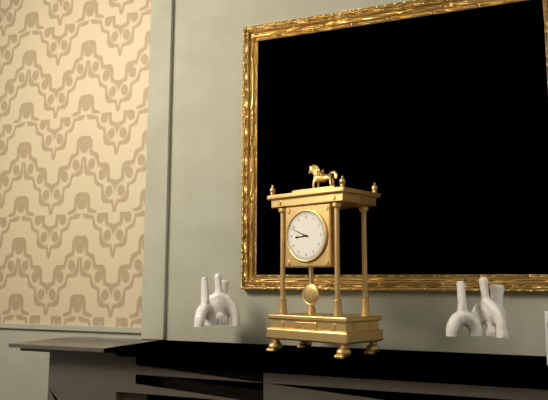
**8:49**
